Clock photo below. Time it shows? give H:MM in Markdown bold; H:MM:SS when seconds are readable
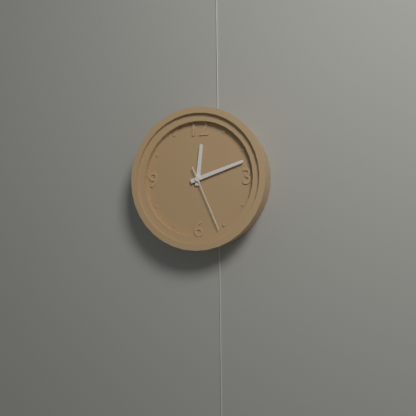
**12:12:26**
